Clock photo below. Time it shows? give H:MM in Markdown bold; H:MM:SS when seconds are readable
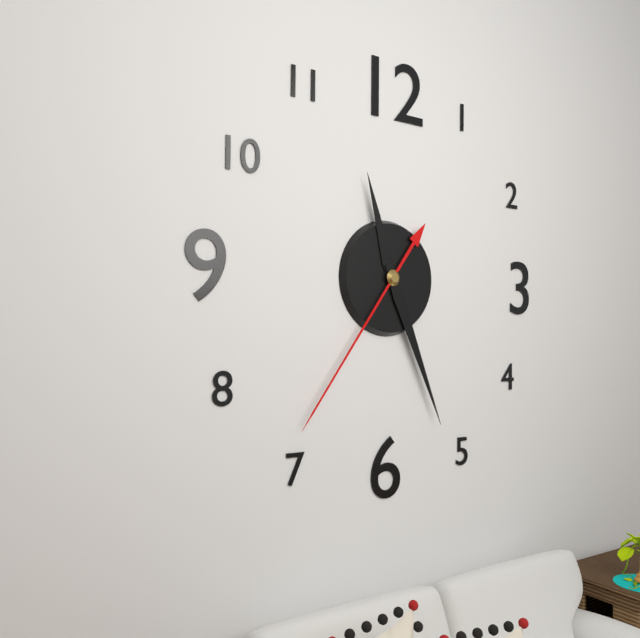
**11:26:36**
